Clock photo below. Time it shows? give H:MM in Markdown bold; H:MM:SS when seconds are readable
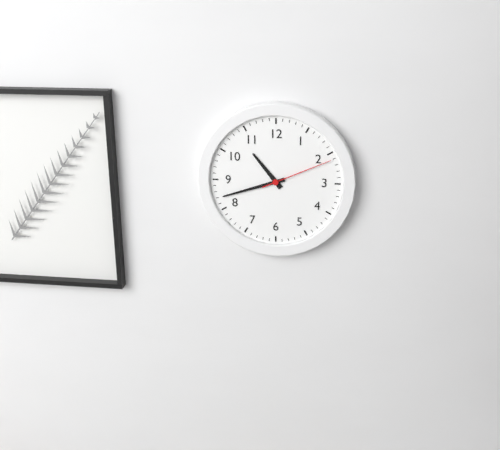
**10:42:11**
